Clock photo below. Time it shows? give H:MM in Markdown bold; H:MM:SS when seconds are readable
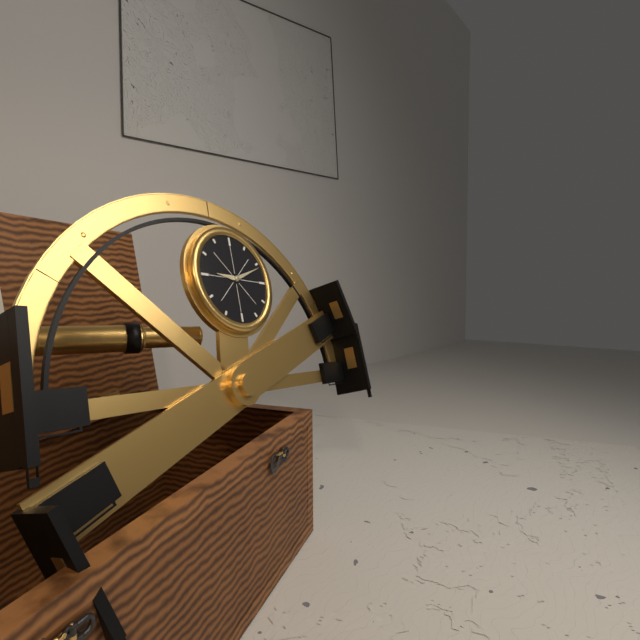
**9:11**
